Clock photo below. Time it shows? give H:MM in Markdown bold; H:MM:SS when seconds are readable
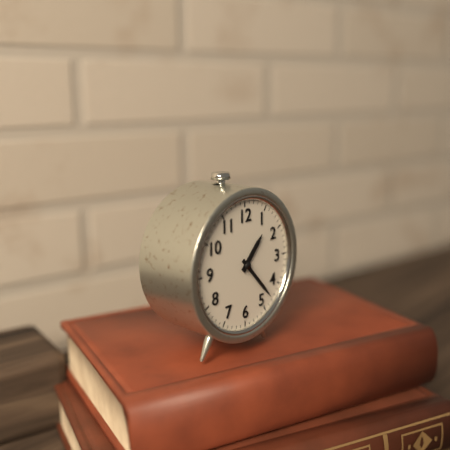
**1:23**
